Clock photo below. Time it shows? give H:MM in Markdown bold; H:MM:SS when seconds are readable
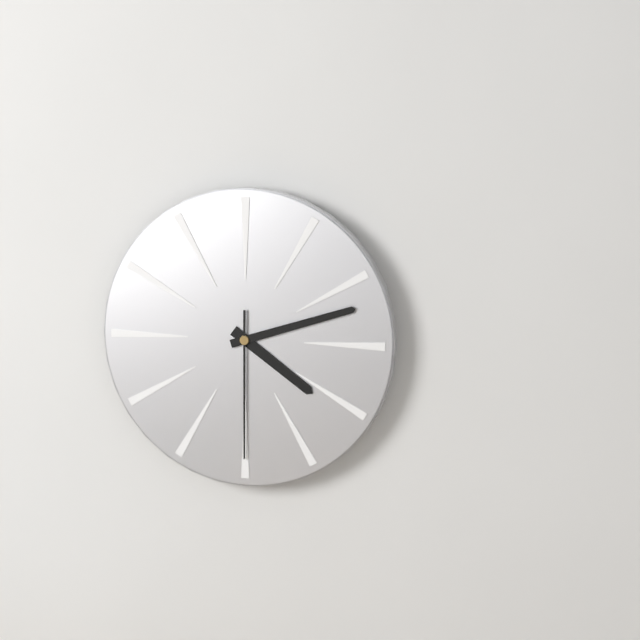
**4:12:30**
